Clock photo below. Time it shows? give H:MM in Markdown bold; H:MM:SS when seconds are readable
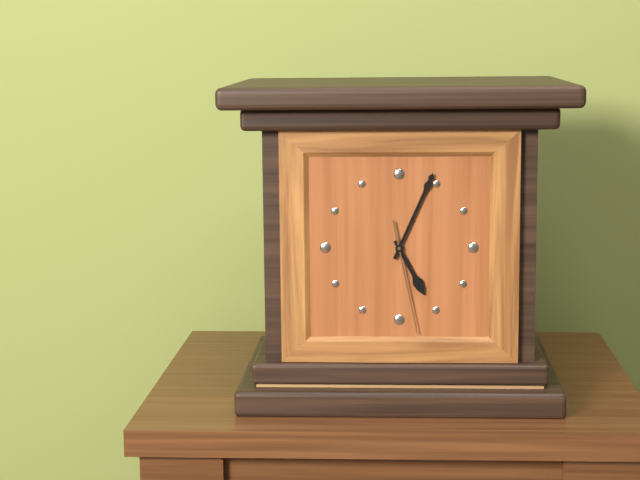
**5:04:28**
